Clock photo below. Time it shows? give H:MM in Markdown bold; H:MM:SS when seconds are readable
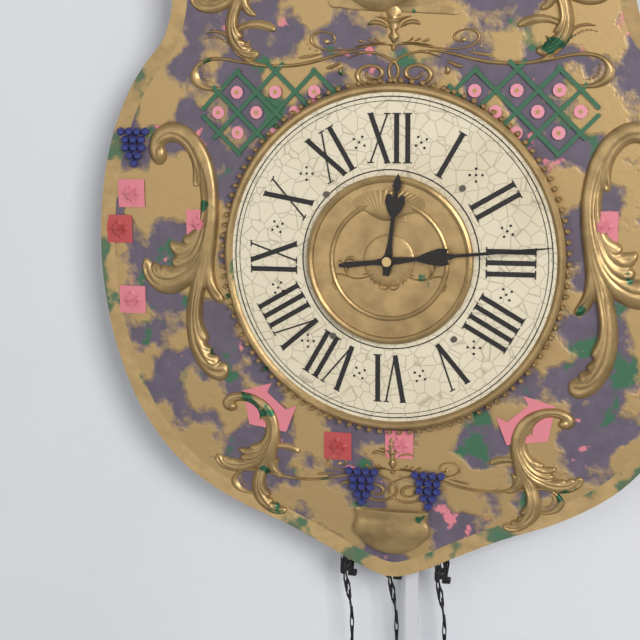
**12:14**
